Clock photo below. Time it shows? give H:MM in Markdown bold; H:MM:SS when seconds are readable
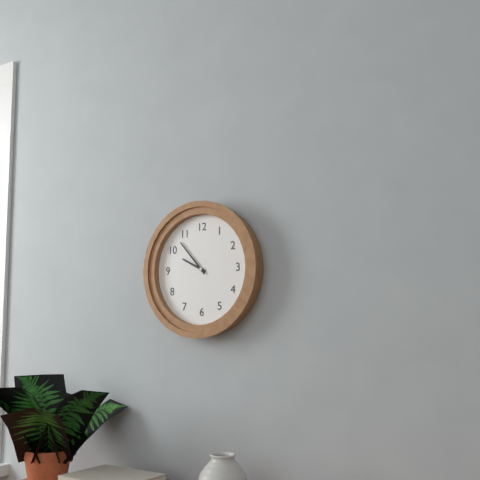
**9:53**
